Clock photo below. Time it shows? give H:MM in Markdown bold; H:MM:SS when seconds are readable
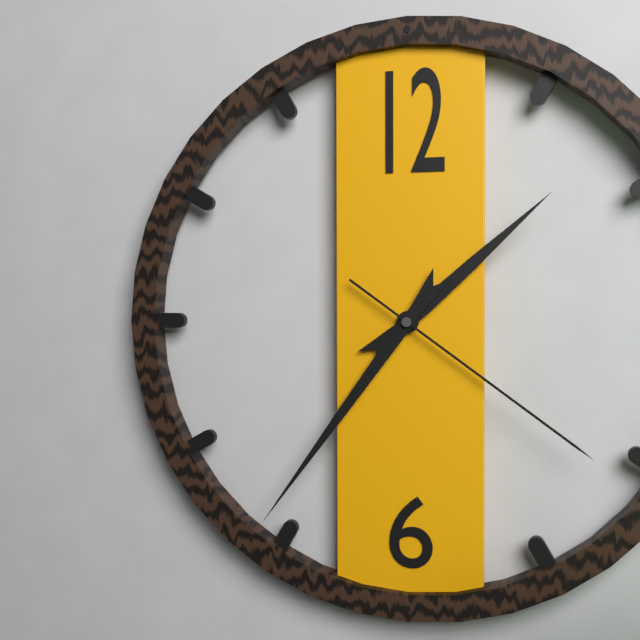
**1:36:21**
